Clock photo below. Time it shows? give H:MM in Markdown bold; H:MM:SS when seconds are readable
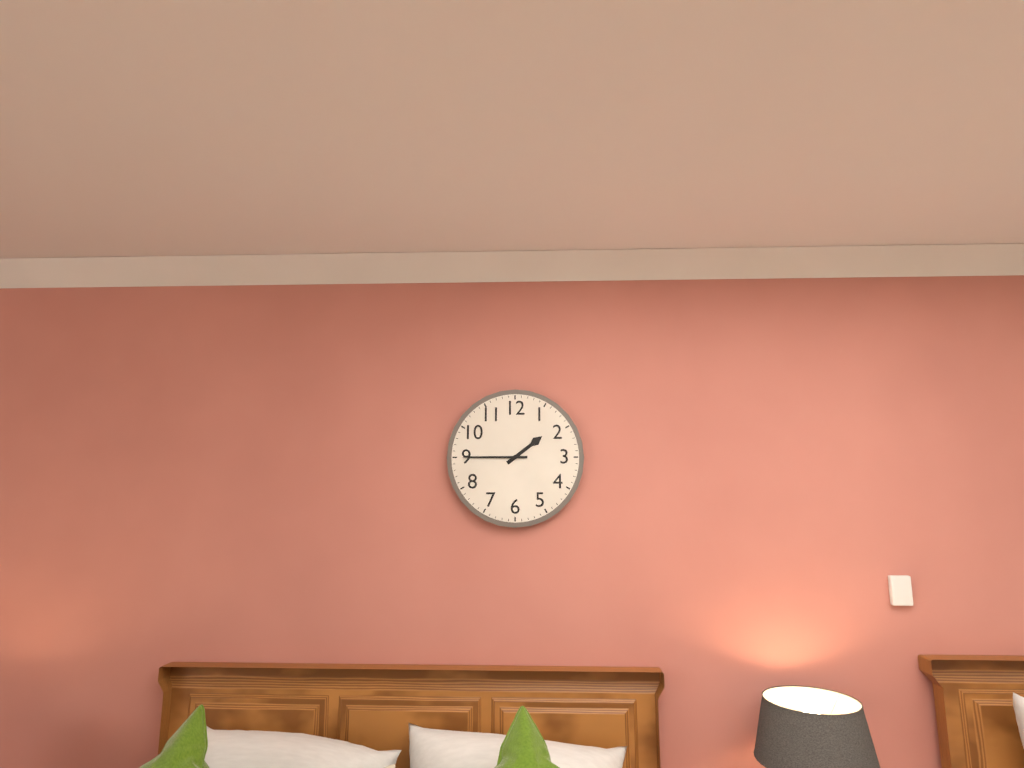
**1:45**
